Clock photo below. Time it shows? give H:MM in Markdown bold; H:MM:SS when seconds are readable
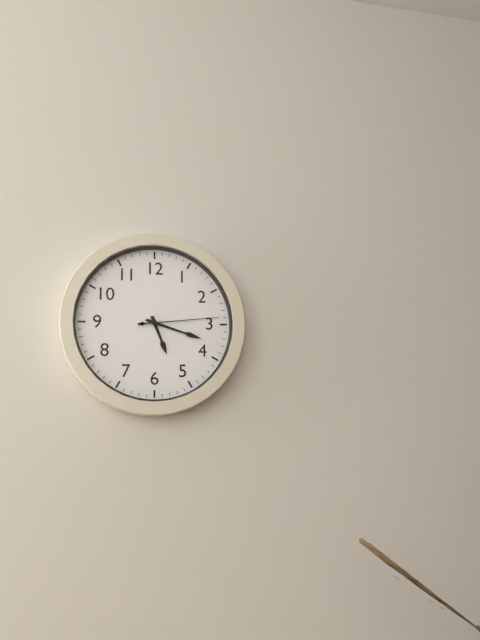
**5:18:14**
